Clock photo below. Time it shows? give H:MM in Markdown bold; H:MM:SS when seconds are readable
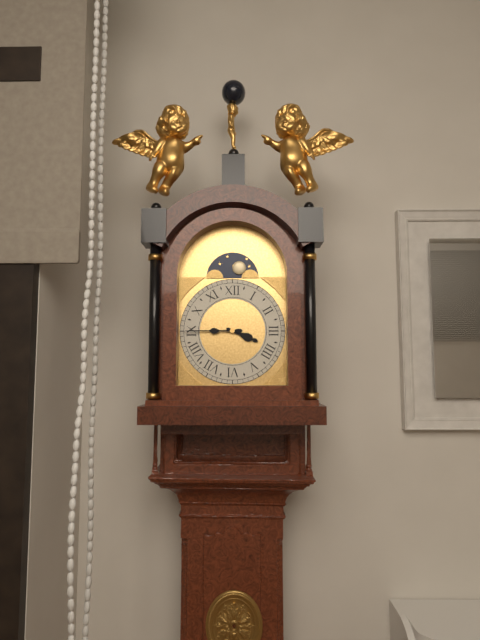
**3:45**
